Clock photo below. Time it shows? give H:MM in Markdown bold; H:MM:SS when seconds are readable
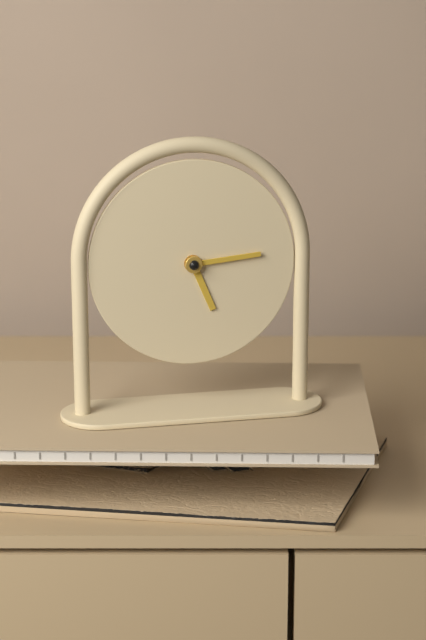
**5:14**
